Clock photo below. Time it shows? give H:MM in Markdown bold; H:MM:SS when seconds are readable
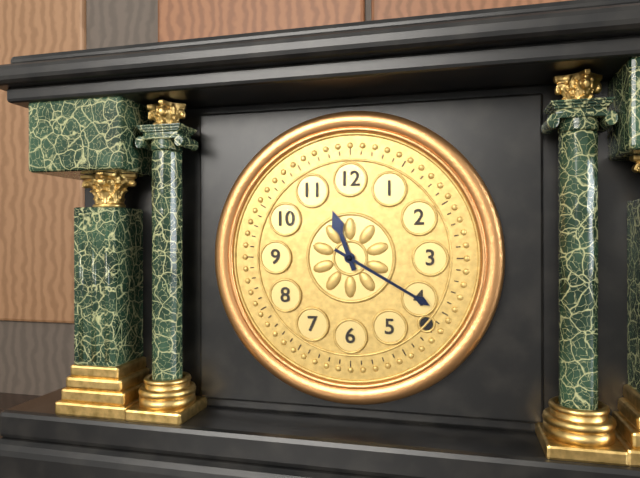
**11:20**
